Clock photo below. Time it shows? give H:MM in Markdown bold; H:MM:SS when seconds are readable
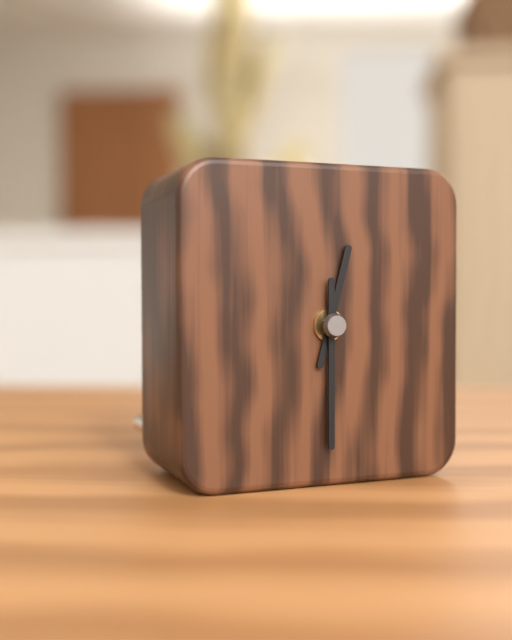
**12:30**
